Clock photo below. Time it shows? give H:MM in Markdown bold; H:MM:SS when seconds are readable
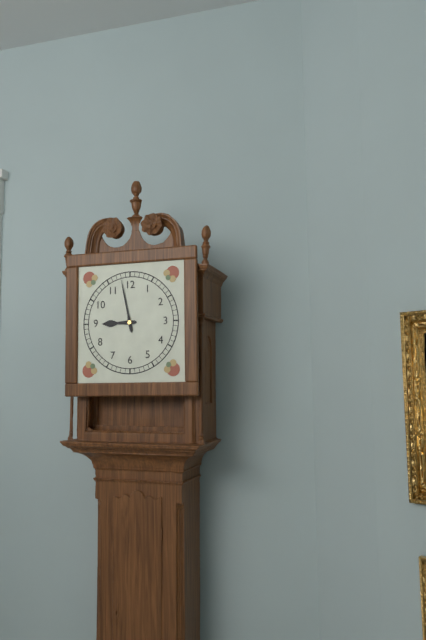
**8:58**
